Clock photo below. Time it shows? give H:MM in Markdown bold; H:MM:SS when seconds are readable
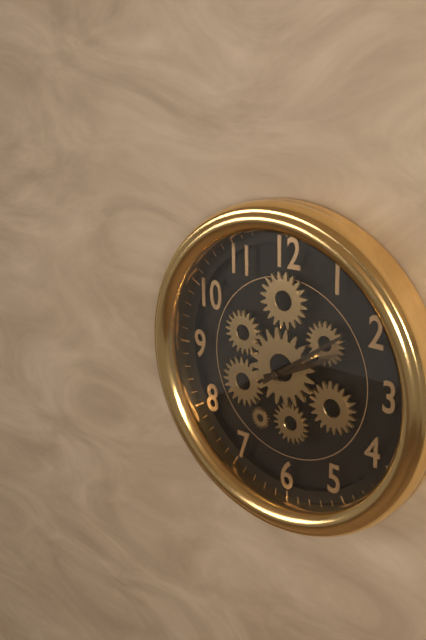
**2:09**
